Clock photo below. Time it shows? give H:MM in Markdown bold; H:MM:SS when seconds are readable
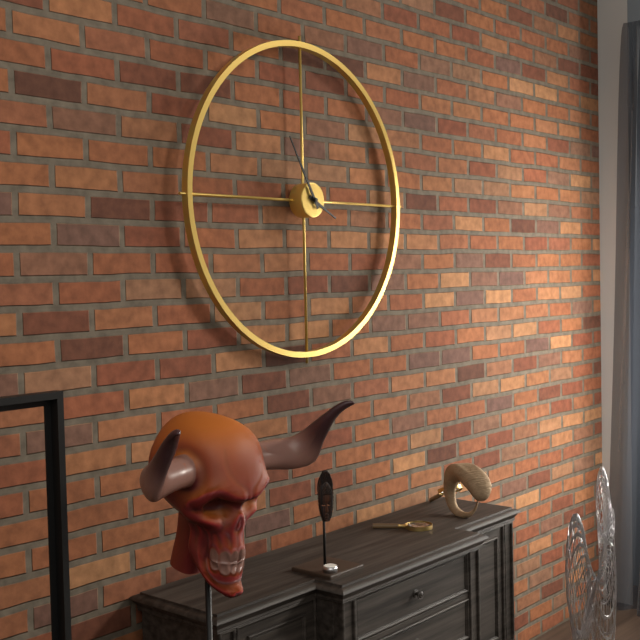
**3:55**
